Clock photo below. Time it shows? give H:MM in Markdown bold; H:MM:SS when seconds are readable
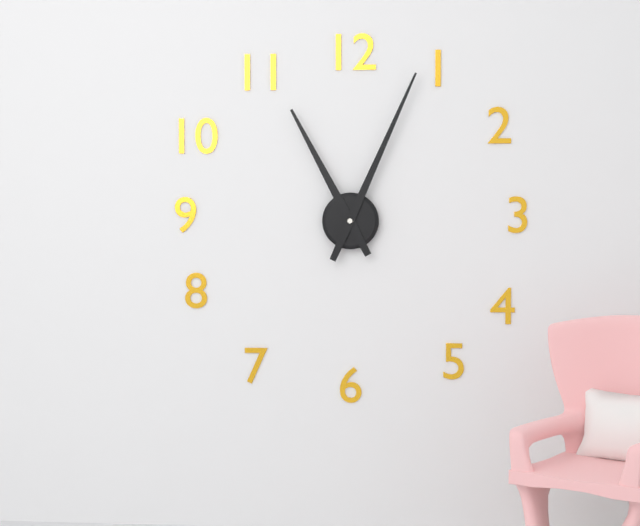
**11:04**
